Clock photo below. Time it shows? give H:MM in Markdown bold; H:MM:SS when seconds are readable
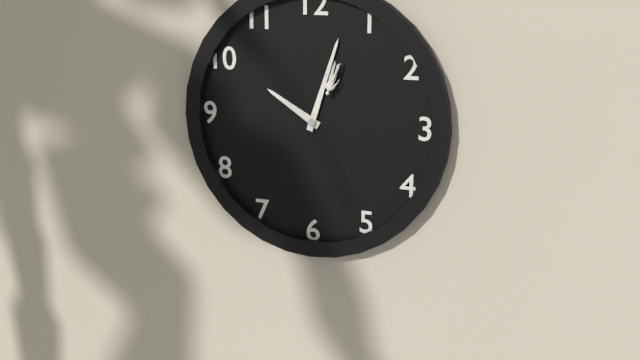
**10:03**
